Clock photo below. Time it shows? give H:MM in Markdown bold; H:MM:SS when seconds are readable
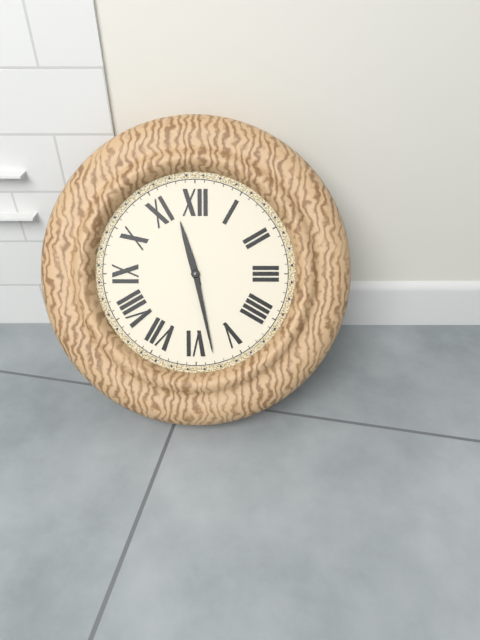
**11:28**
